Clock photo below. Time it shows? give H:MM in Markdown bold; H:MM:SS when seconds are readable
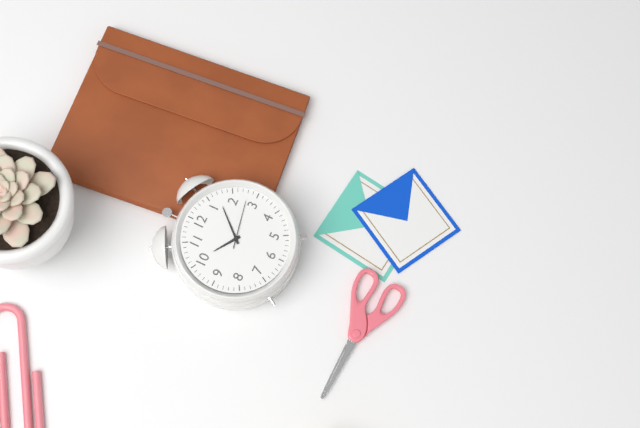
**10:07:13**
